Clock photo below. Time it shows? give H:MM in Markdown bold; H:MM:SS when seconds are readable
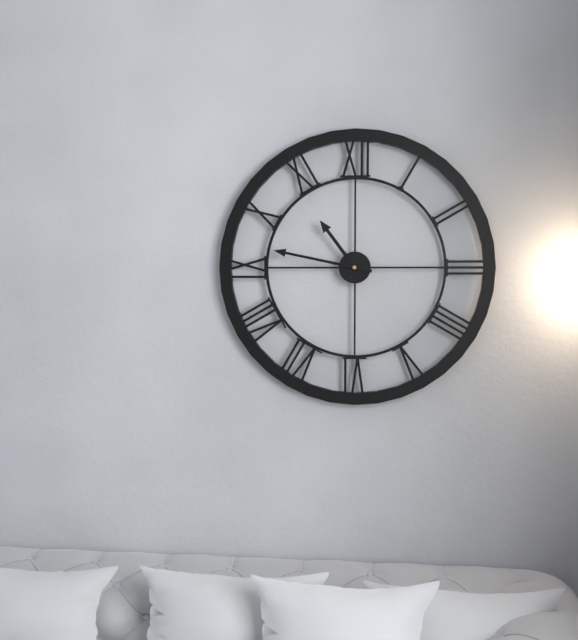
**10:47**
